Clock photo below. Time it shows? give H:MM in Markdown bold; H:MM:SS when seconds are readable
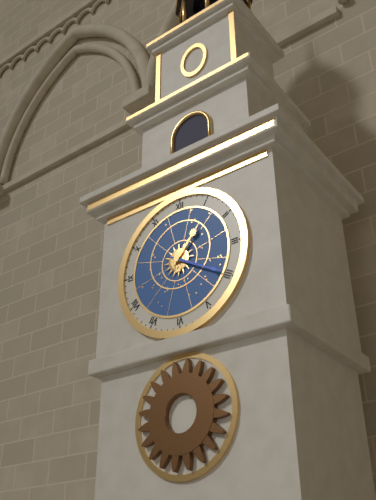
**1:20**
